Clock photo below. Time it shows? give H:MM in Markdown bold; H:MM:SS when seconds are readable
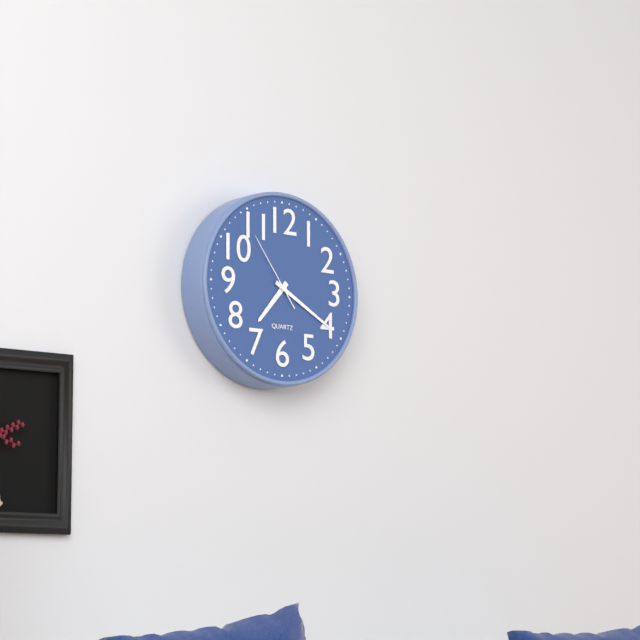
**7:20:54**
